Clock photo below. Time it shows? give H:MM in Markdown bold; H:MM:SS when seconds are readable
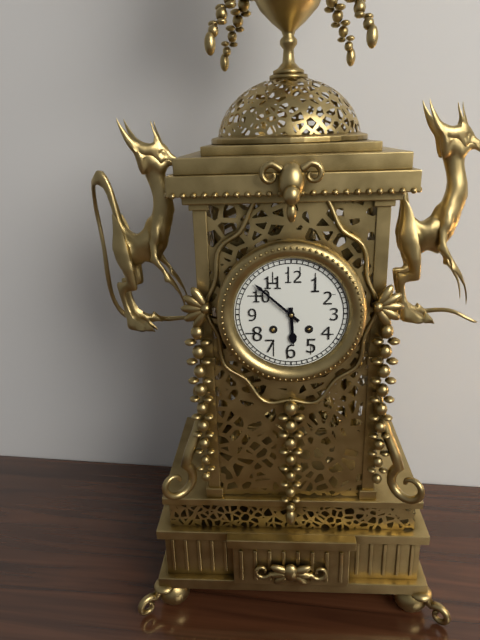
**5:52**
